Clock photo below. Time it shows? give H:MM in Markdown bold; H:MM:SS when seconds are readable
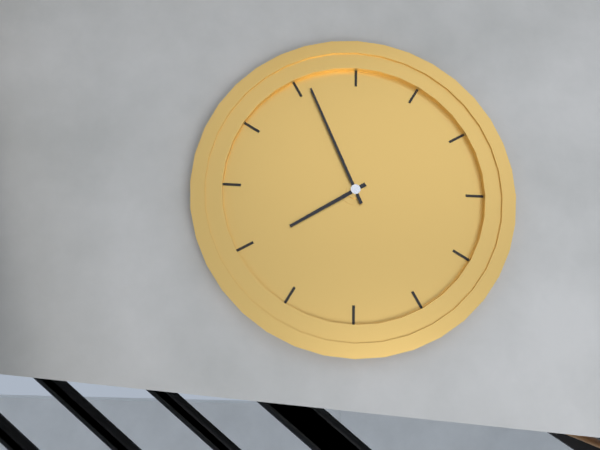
**7:56**
